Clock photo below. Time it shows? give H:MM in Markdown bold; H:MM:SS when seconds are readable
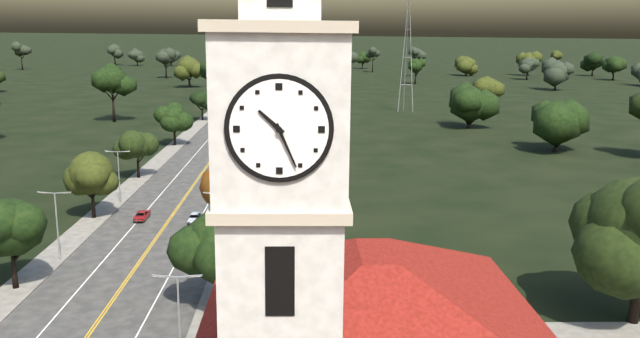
**10:26**
